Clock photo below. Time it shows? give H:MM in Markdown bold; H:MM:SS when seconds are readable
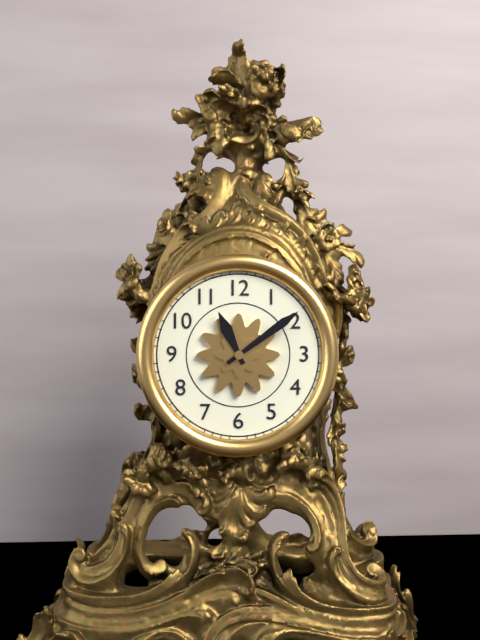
**11:09**
